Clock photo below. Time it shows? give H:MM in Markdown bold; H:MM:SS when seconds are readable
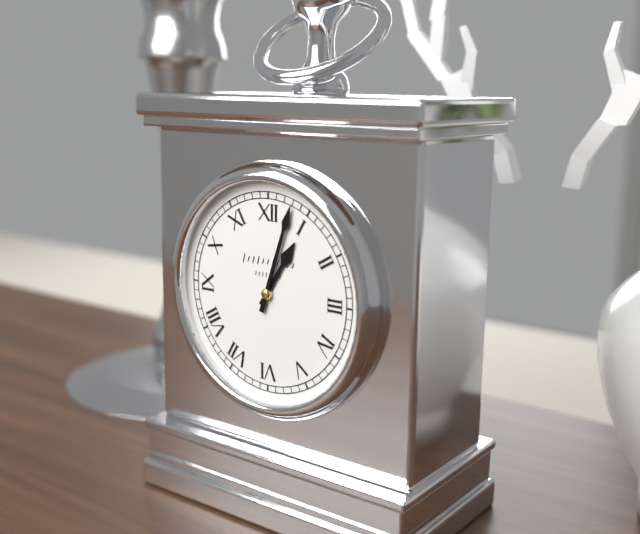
**1:03**
